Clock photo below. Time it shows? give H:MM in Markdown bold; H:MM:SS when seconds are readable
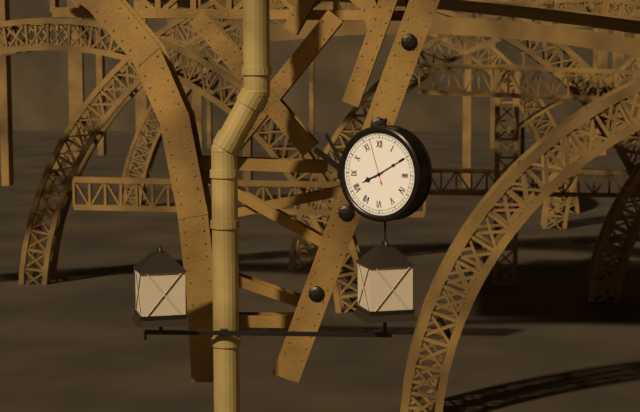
**8:10**
